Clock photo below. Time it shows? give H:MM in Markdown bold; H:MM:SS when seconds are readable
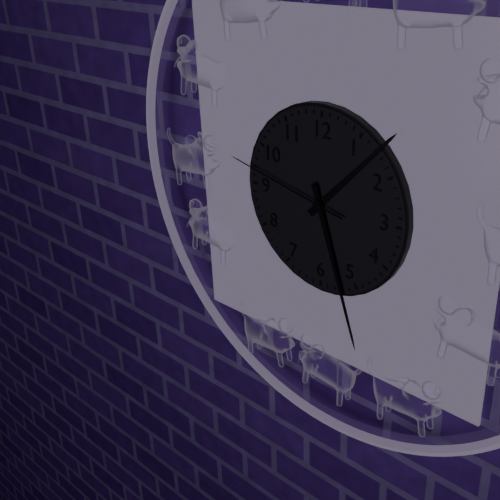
**1:27:47**
